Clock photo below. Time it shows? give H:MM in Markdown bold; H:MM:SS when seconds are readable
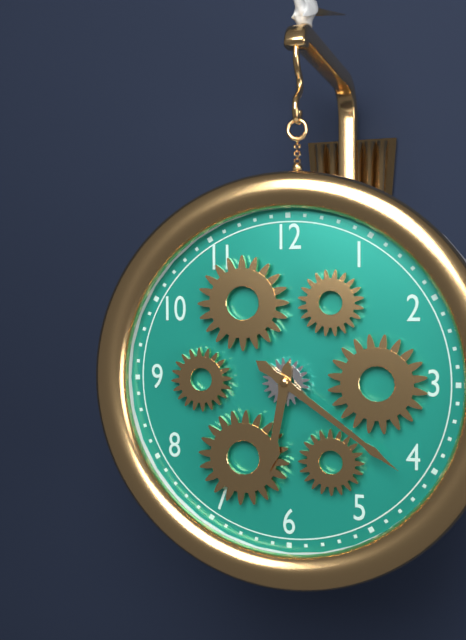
**6:21**
